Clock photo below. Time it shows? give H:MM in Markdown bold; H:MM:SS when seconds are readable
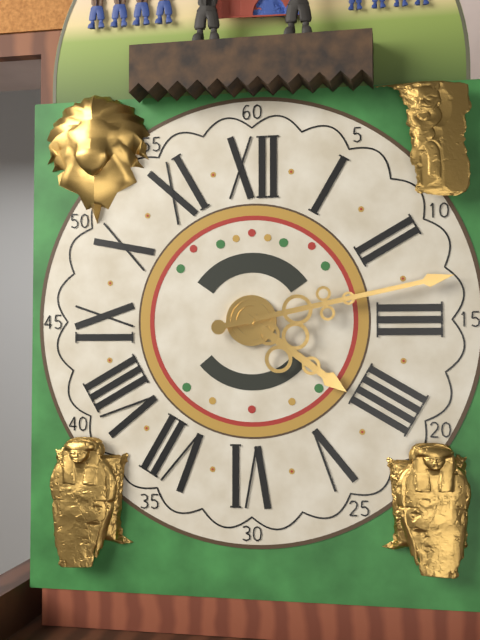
**4:13**
